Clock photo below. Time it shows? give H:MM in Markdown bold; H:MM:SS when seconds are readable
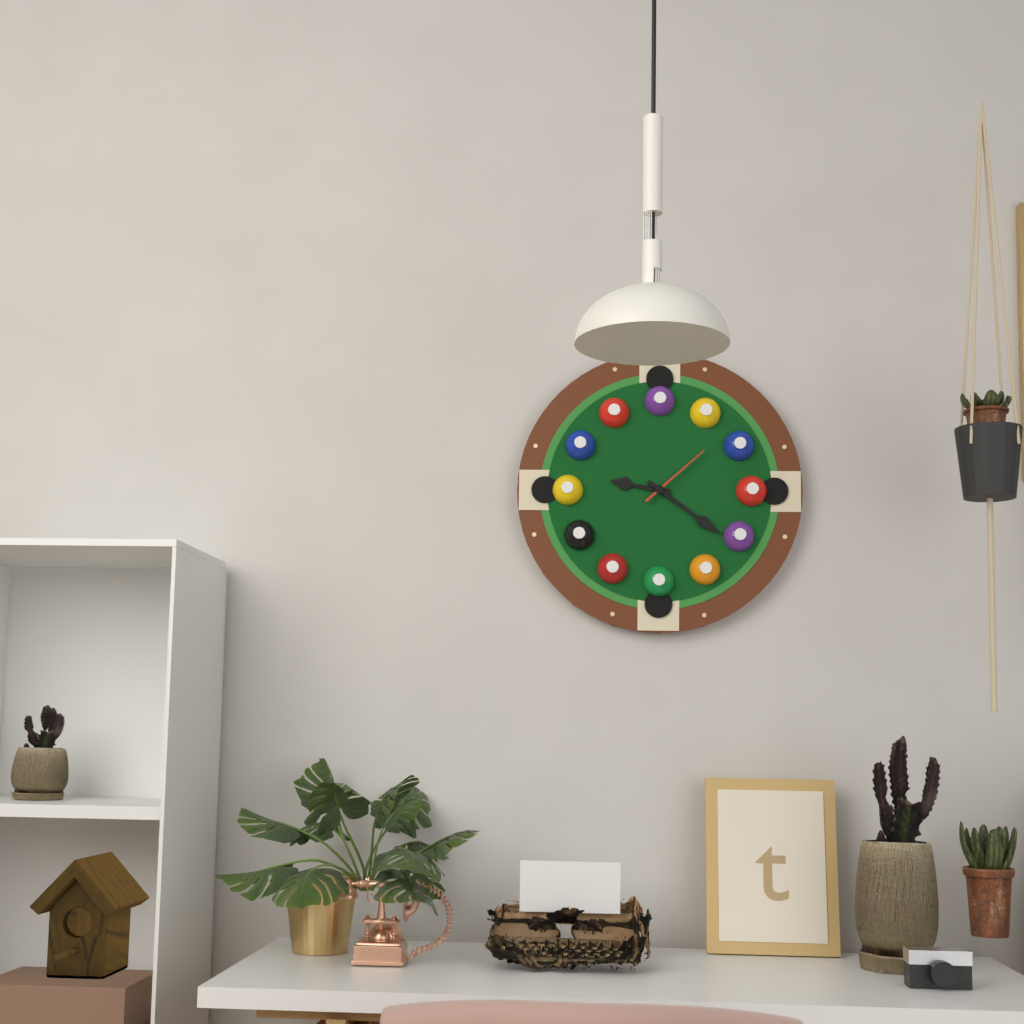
**9:21:08**
